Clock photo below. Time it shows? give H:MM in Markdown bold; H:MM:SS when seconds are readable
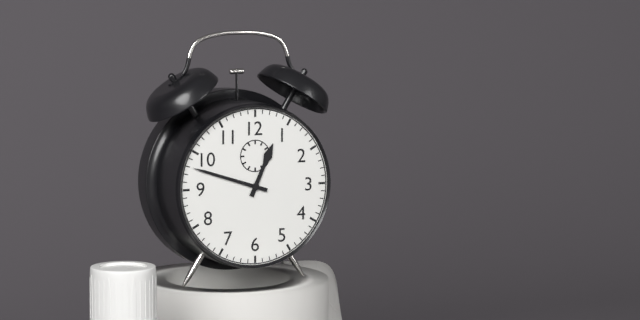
**12:48**
